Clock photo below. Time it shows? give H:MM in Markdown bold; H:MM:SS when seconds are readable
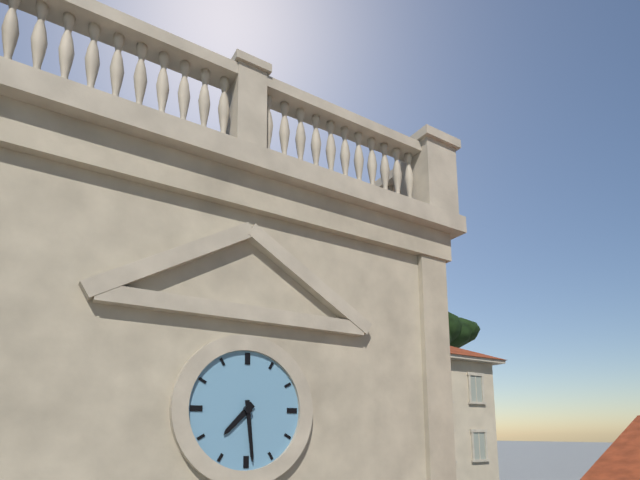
**7:29**
